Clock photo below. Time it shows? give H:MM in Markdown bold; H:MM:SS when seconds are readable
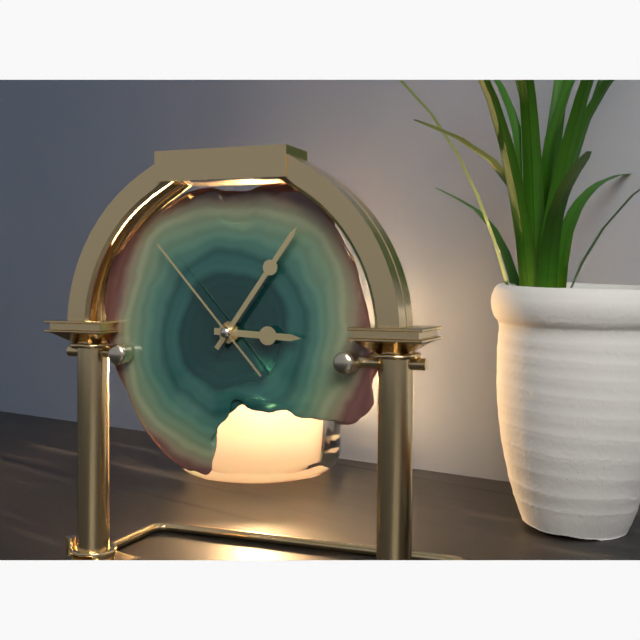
**3:06:53**
